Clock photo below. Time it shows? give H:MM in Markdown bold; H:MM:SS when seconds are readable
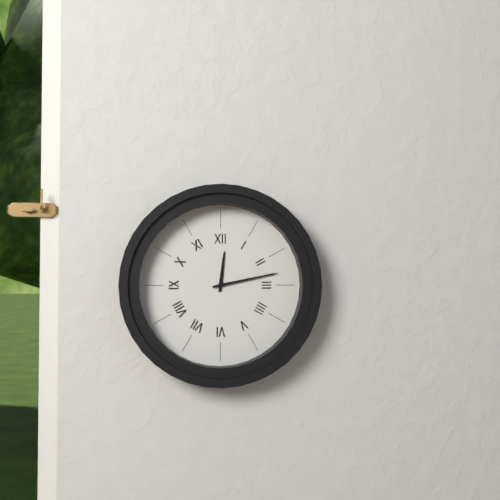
**12:13**
